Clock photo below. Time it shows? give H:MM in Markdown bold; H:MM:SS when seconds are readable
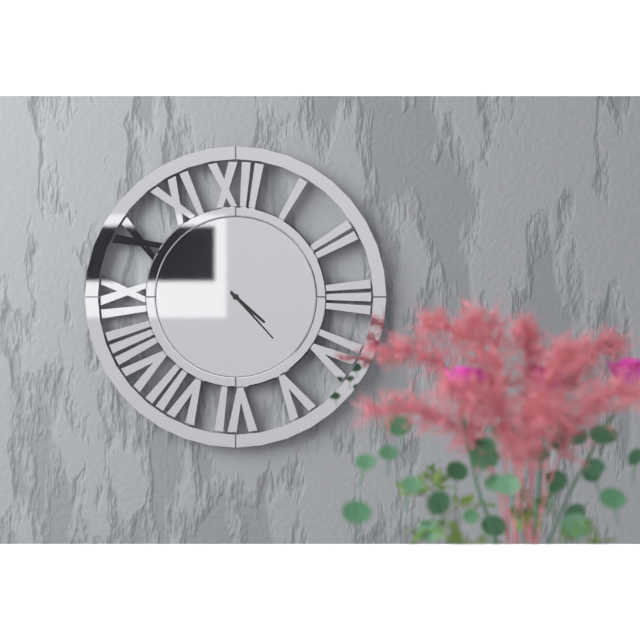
**4:23**
